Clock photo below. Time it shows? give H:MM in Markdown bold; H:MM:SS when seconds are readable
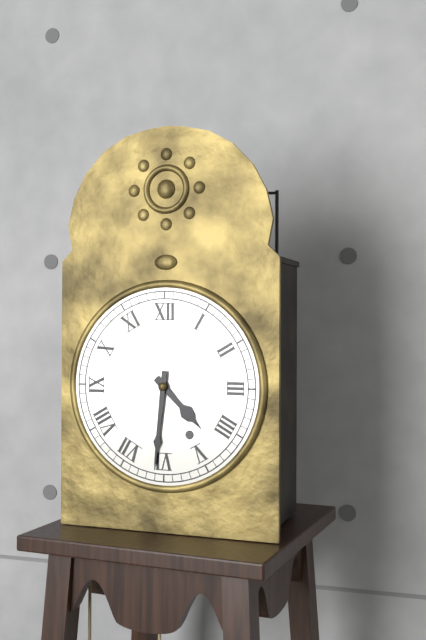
**4:31**
